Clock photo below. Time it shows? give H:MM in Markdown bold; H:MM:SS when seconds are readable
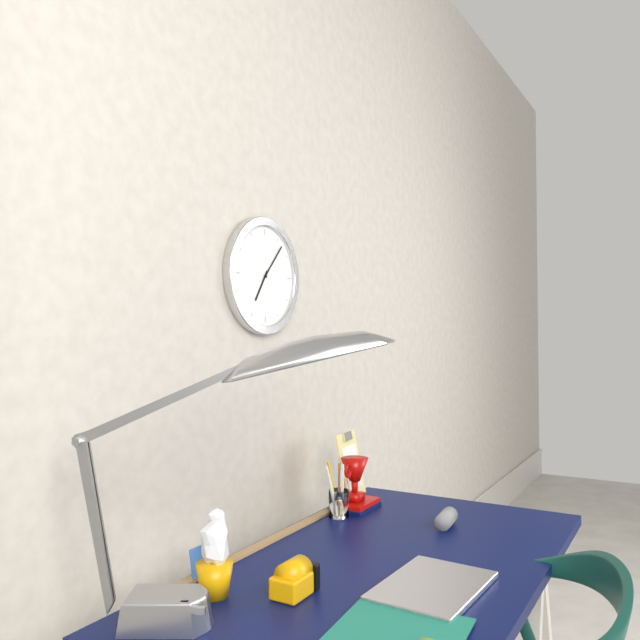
**7:07**
